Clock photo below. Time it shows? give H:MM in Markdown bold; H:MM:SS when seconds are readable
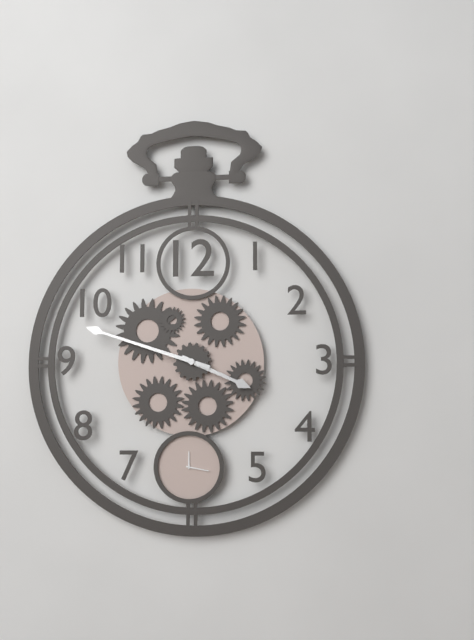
**3:48**
